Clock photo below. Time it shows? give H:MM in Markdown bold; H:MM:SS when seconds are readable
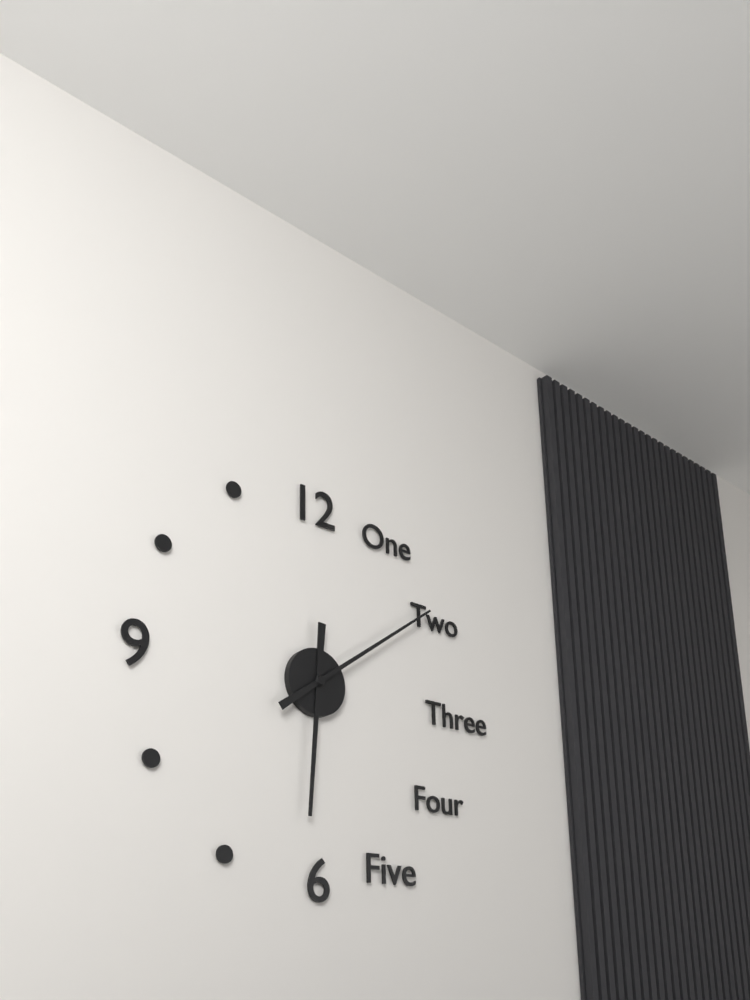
**6:09**
